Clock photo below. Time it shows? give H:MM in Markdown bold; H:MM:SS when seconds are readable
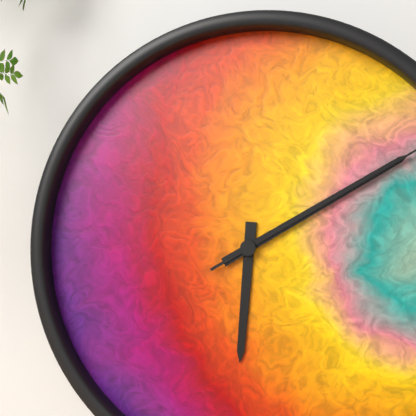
**6:10**
